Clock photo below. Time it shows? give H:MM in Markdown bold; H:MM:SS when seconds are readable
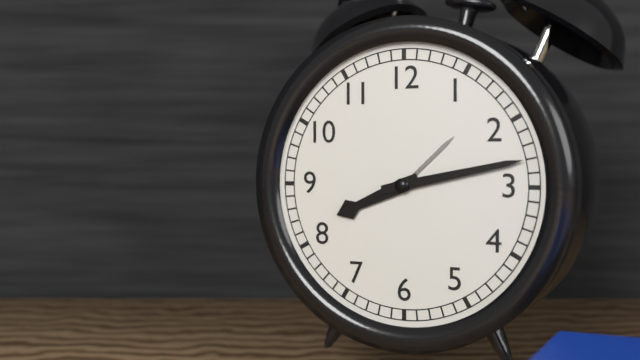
**8:13**
